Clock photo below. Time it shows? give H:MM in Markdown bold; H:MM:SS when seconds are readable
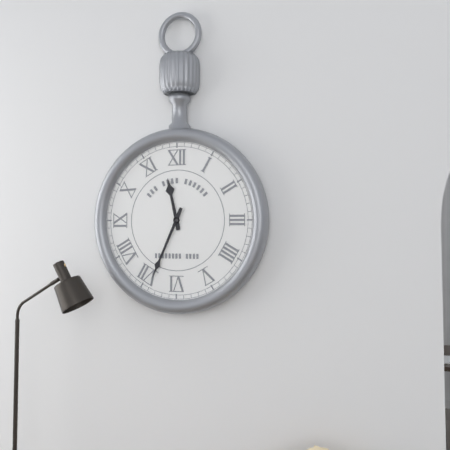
**11:34**
